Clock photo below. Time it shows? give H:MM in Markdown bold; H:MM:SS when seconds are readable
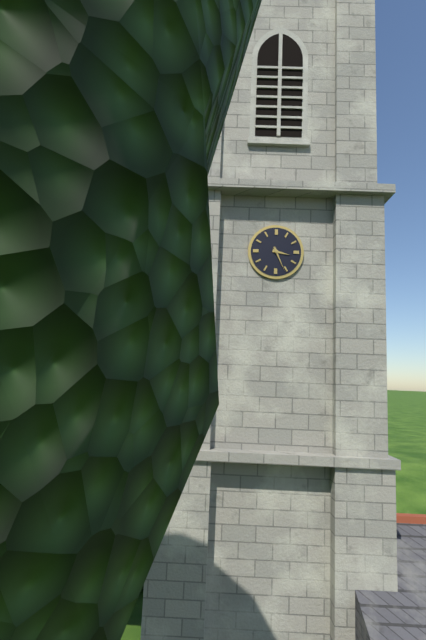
**3:26**
